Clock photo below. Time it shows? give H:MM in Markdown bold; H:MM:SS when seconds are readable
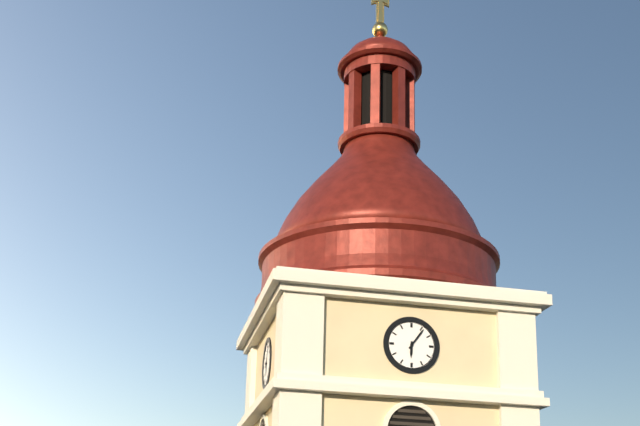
**6:06**
